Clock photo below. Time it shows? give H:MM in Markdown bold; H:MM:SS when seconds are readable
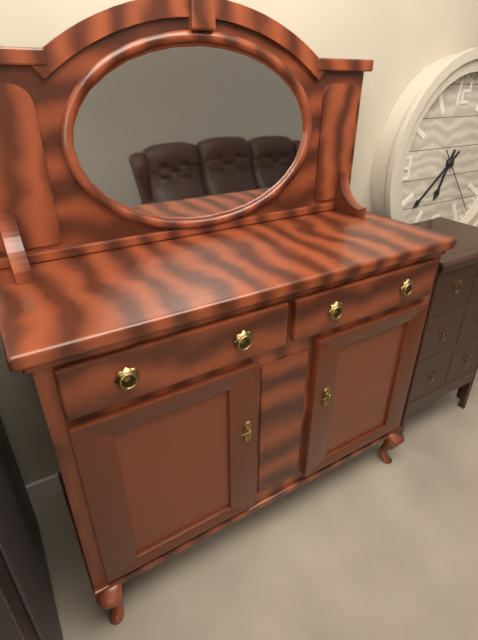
**6:38:23**
